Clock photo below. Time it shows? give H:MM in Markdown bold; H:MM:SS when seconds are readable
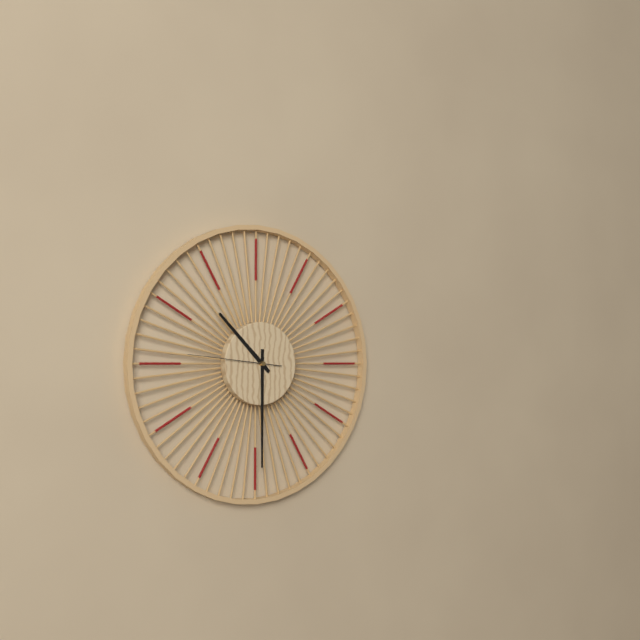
**10:30:46**
